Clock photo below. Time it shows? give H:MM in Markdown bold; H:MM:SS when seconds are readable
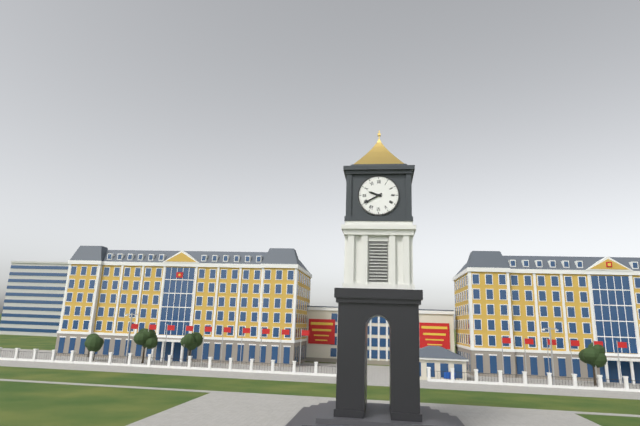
**9:40**
